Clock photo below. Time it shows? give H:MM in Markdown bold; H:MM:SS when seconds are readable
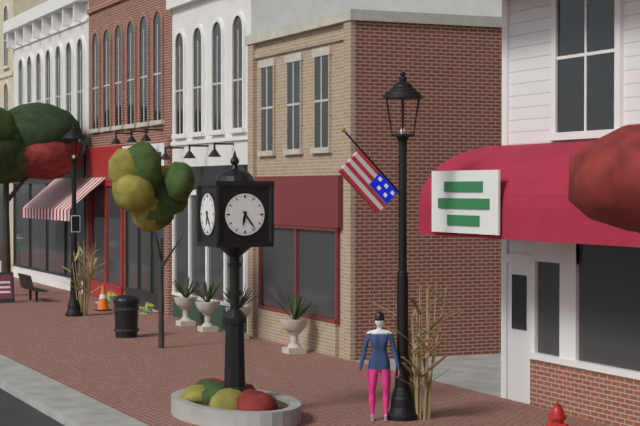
**6:24**
